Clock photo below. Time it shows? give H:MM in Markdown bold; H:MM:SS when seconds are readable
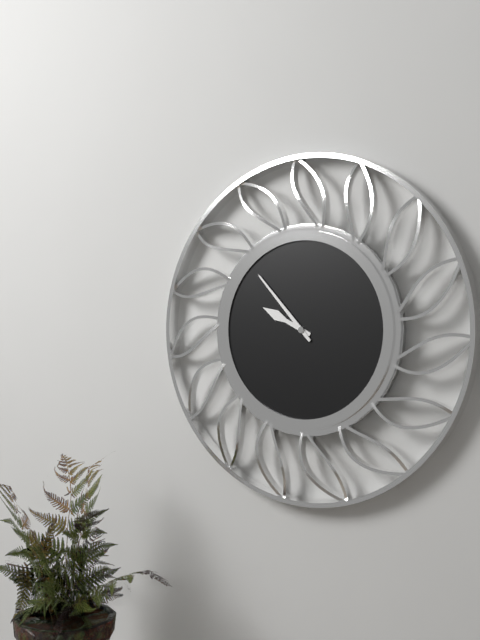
**9:53**
